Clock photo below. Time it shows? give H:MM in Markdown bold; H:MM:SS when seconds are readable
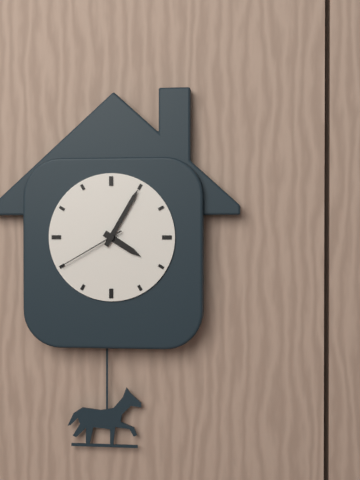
**4:05:40**
